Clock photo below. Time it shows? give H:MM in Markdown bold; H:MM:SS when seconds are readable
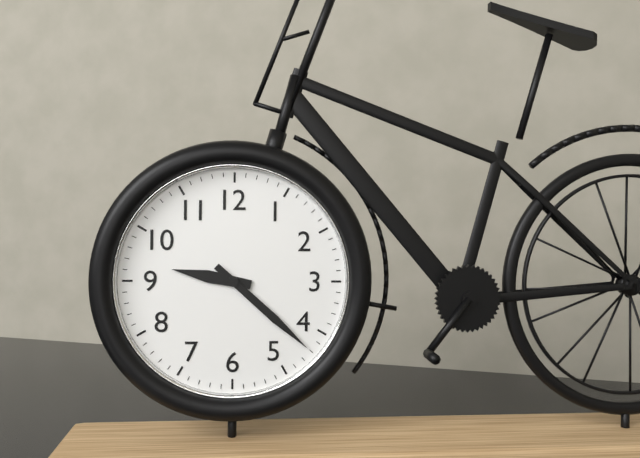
**9:22**
